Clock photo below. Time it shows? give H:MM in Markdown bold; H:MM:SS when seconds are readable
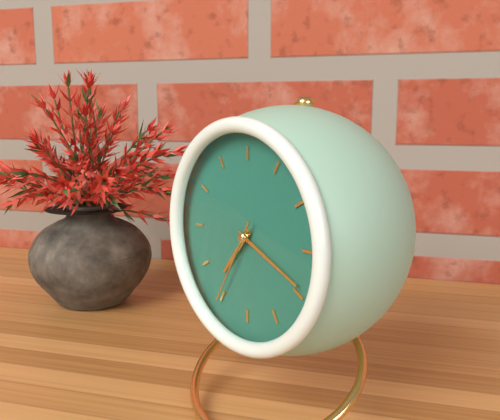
**7:19:35**
